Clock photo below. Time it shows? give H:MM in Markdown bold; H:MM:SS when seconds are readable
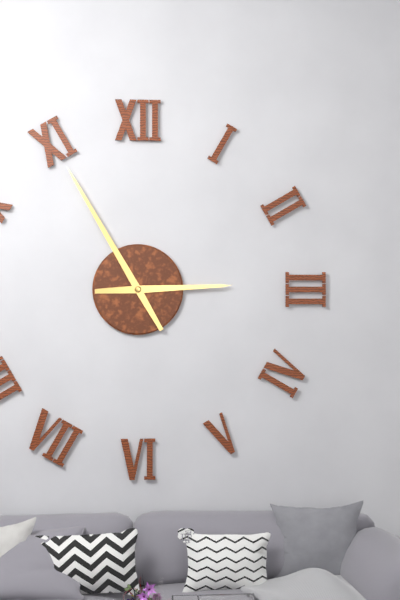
**2:55**
